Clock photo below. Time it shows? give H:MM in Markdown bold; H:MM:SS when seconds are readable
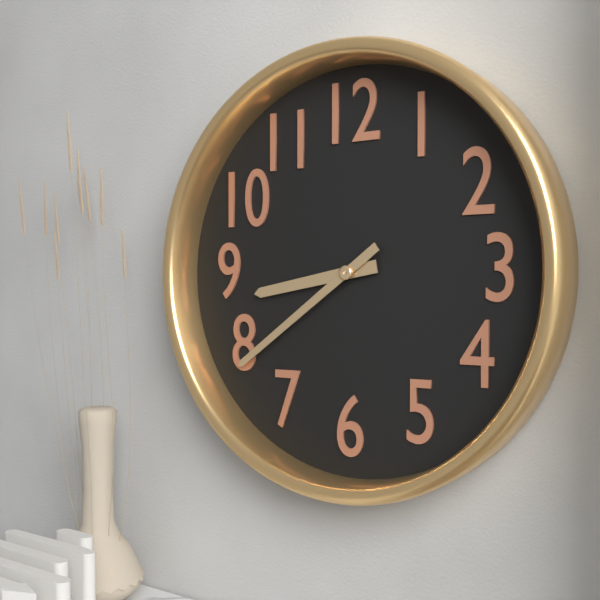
**8:39**
